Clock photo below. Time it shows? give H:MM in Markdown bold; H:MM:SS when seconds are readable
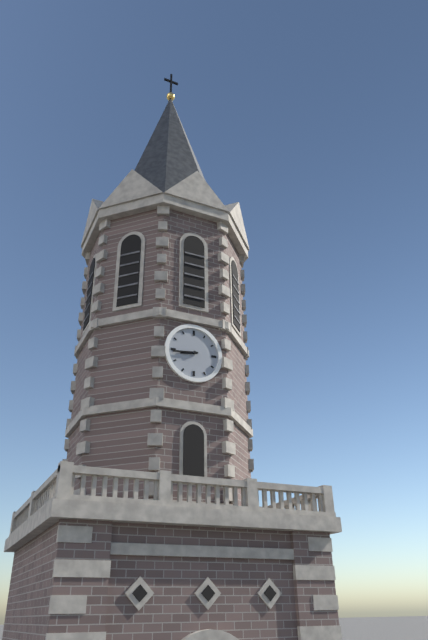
**8:44**
